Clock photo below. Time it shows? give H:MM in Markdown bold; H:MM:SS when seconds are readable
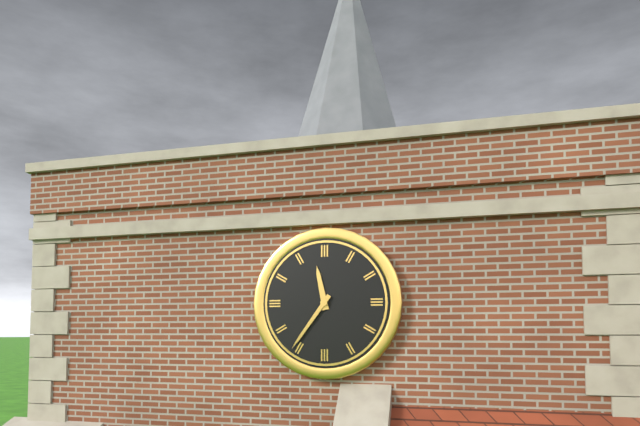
**11:36**
